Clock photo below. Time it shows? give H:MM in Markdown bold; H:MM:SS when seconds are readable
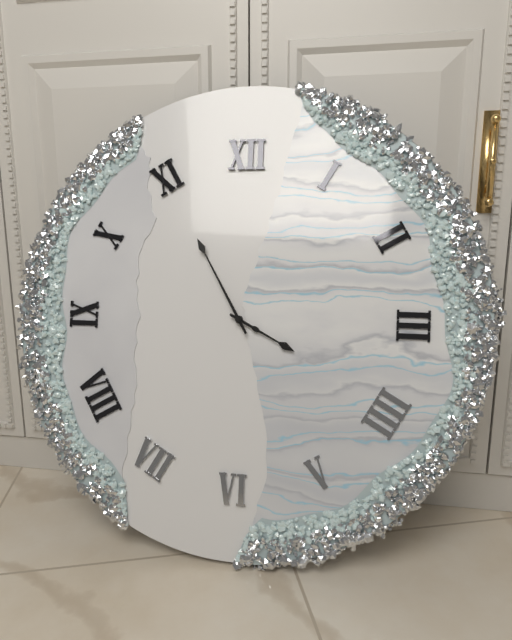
**3:55**
